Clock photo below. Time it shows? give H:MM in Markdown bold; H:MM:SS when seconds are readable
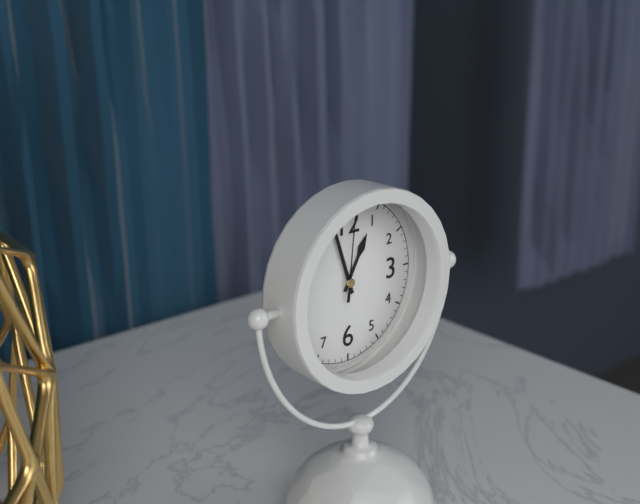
**12:57:01**
